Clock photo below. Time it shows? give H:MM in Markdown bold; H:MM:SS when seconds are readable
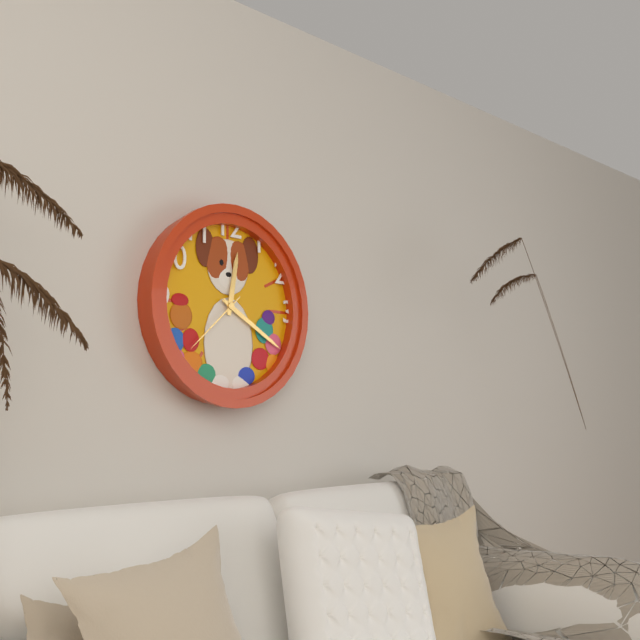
**12:20:38**
